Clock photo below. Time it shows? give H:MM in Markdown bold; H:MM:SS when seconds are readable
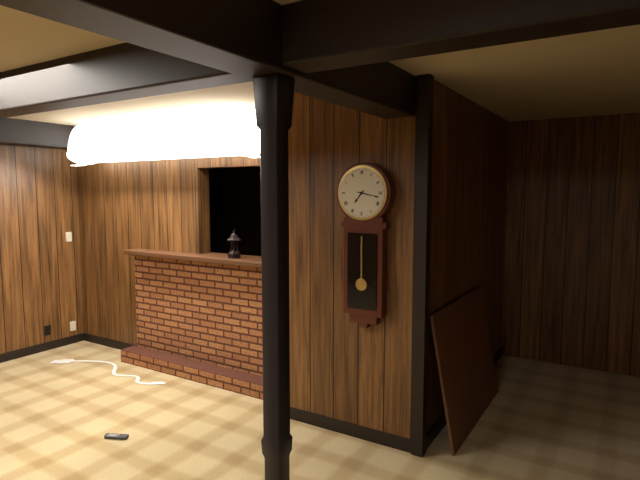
**7:17**
